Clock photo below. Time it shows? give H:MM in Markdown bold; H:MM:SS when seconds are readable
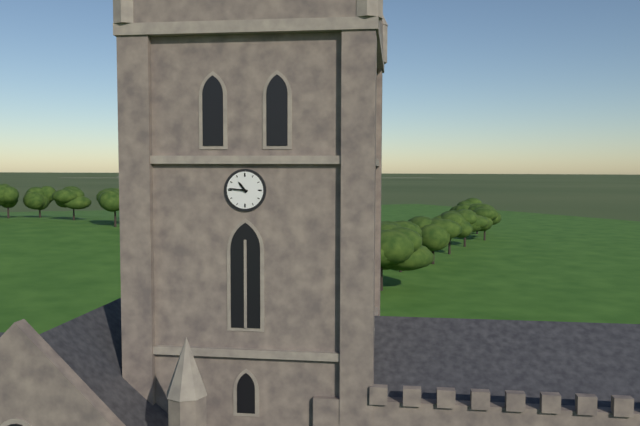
**10:46**
